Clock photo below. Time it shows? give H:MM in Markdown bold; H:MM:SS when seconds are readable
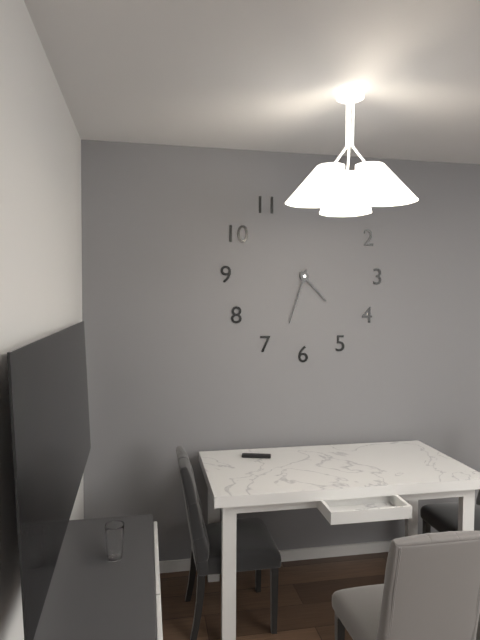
**4:33**
